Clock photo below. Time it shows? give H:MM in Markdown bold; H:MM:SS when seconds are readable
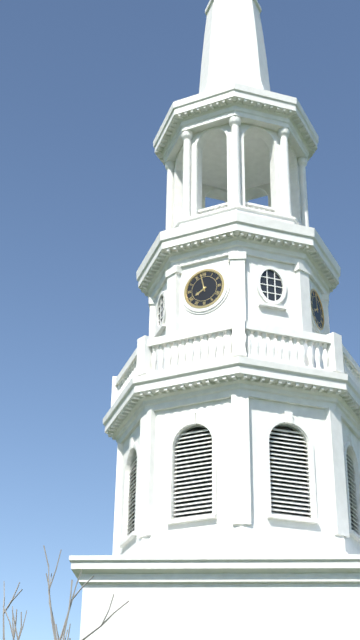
**7:58**
